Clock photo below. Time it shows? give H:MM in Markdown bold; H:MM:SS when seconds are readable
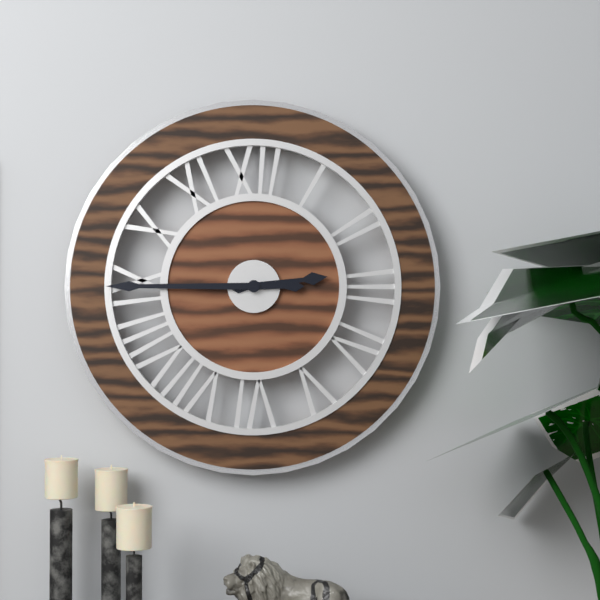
**2:45**
